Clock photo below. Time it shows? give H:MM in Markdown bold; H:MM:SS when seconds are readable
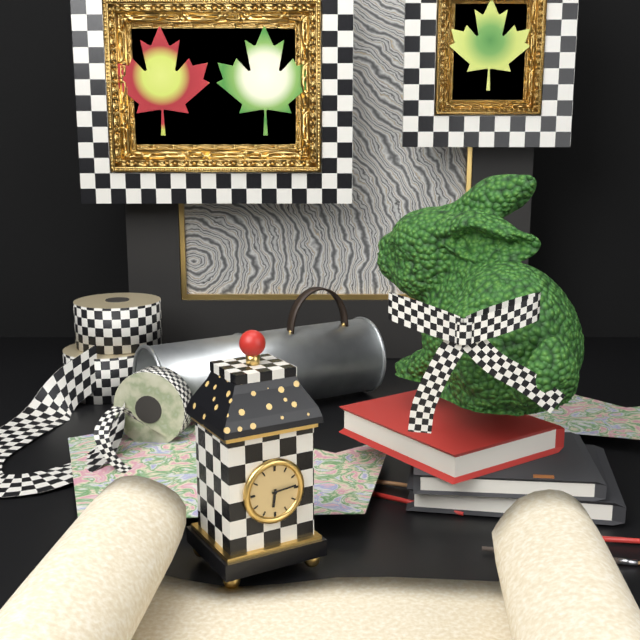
**6:14**
